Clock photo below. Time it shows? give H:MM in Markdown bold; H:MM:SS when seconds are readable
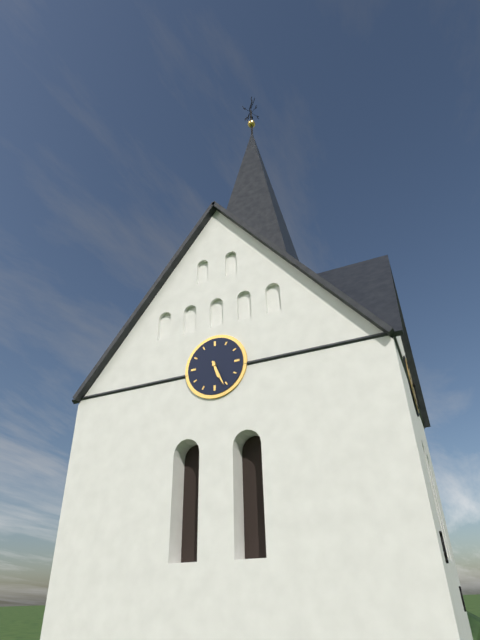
**5:26**
